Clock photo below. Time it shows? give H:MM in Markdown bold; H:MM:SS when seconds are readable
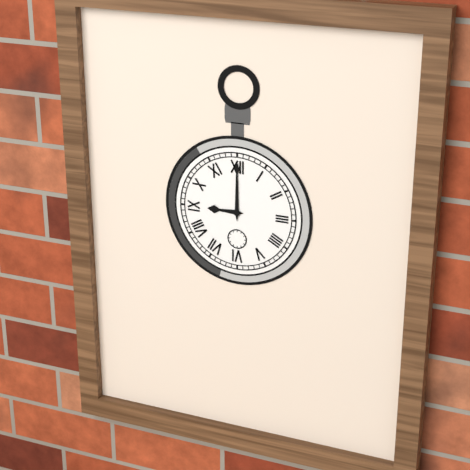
**9:00**
